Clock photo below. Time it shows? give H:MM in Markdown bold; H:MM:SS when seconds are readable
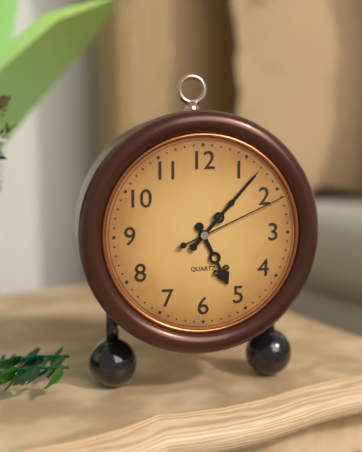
**5:07:11**
